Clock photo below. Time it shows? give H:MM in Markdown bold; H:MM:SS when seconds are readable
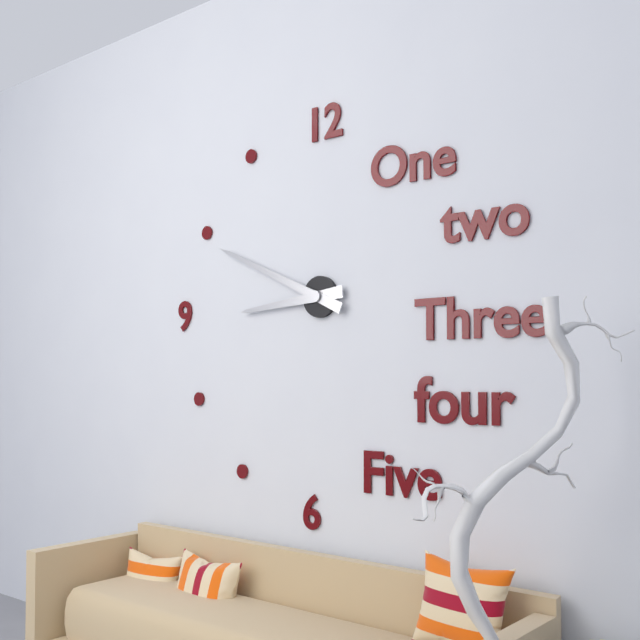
**8:49**
